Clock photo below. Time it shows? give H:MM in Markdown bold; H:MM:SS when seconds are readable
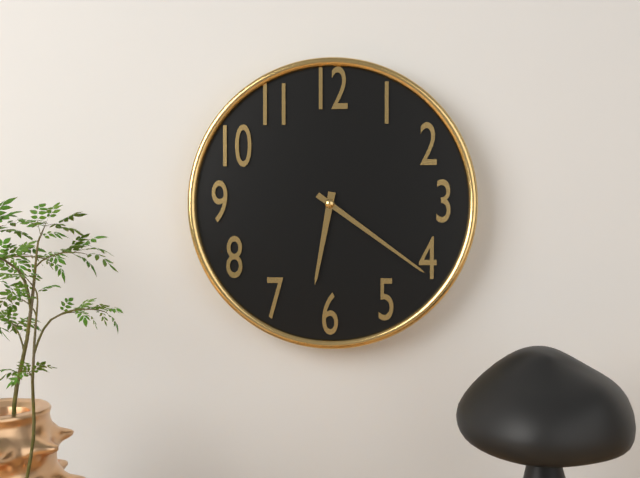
**6:21**
